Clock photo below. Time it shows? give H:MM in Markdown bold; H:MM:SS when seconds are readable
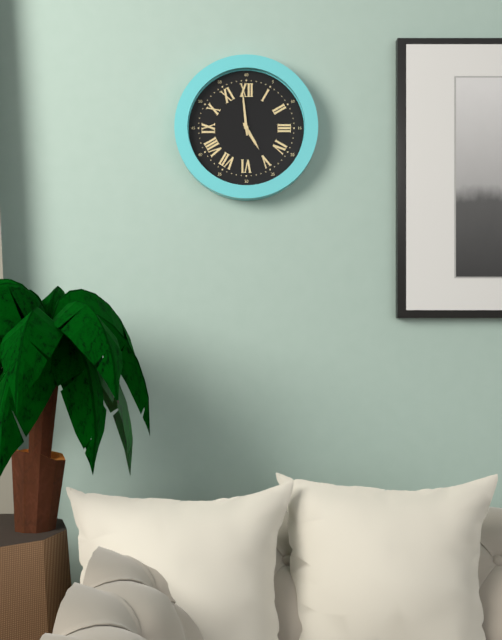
**4:59**
